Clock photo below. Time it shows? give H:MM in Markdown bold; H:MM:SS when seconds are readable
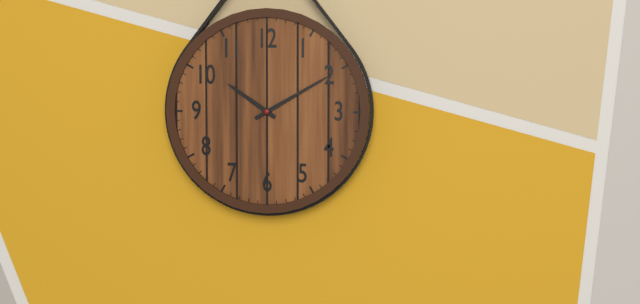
**10:10**
